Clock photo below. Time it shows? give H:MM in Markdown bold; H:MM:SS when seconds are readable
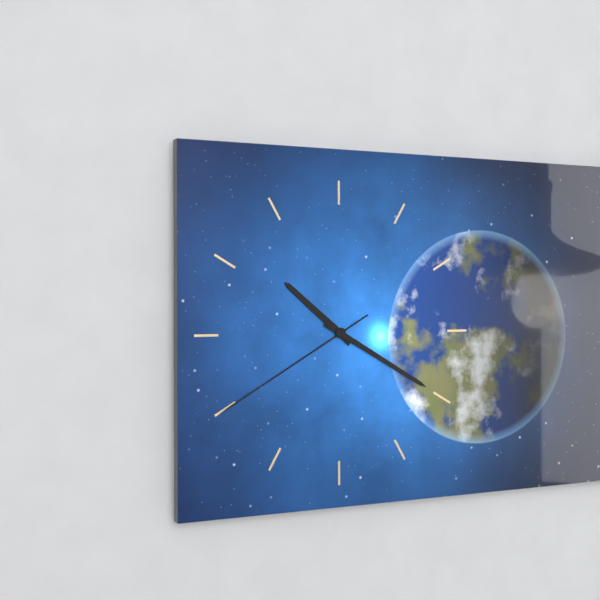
**10:20:40**
